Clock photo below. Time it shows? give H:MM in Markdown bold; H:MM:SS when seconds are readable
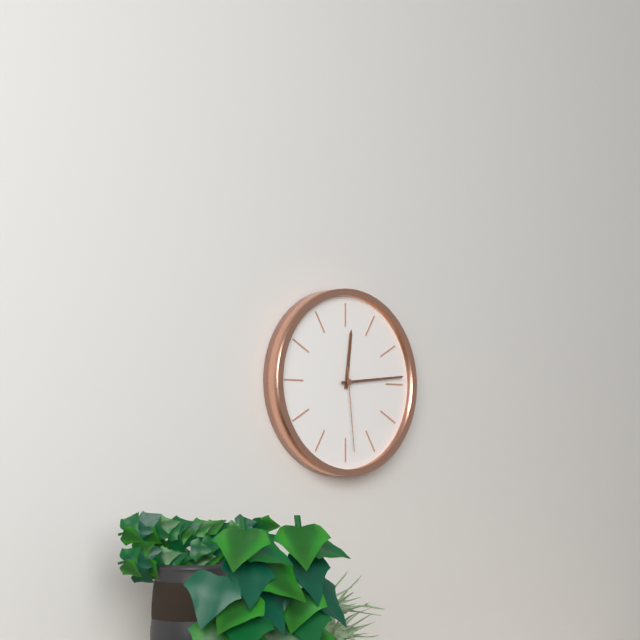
**12:14:29**
